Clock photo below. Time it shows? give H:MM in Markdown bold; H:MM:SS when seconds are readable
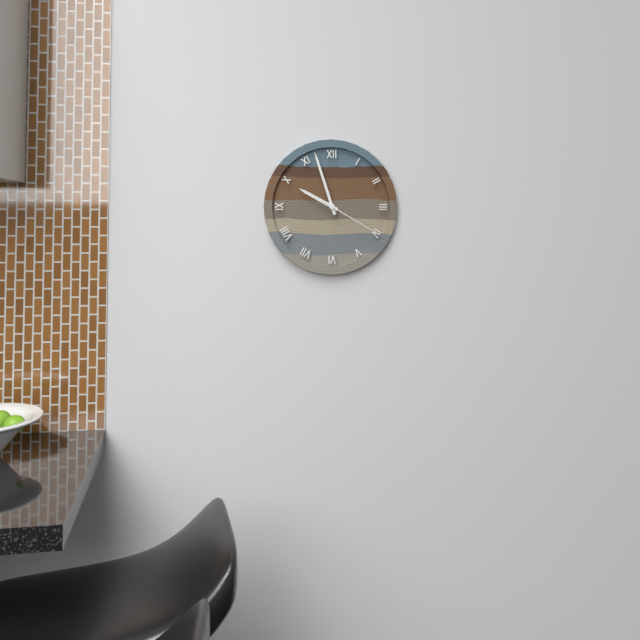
**9:57:20**
